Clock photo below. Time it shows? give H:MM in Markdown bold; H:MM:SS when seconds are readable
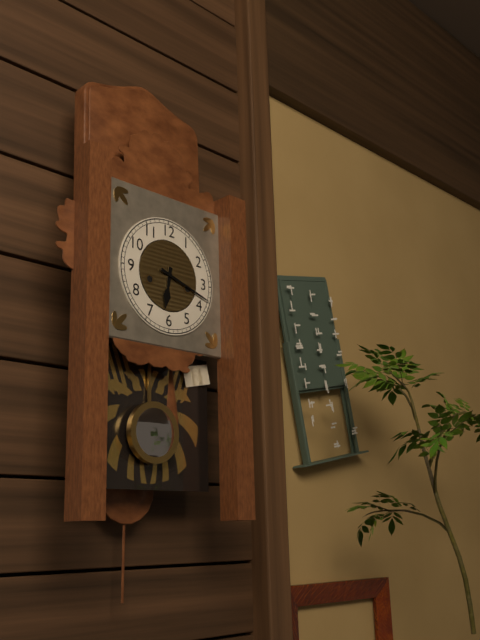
**6:18**
